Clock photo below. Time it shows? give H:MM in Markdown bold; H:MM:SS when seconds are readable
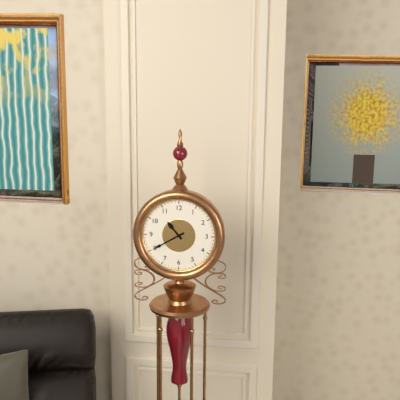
**10:40**
